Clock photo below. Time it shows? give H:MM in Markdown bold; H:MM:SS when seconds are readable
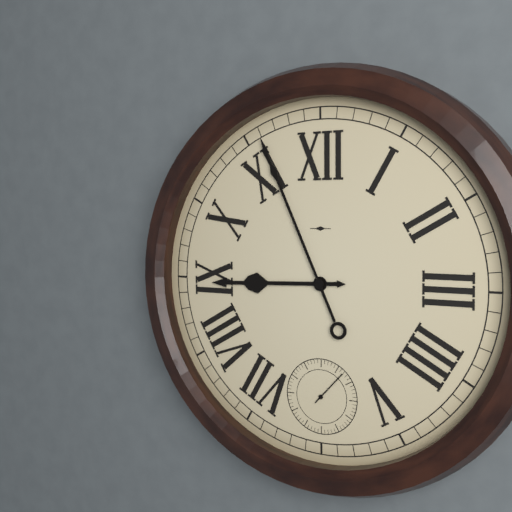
**8:56**
